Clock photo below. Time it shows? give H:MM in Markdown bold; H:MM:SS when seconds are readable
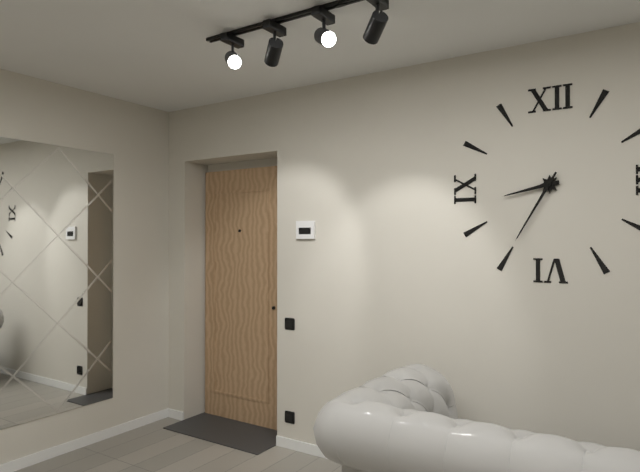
**8:35**
